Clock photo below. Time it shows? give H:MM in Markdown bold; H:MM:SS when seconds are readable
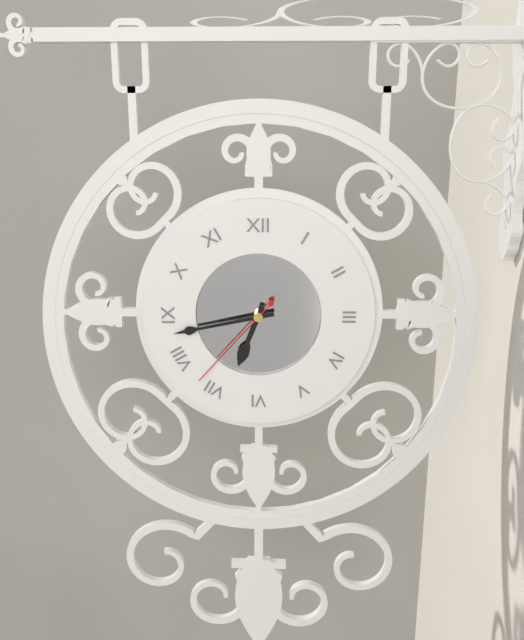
**6:43:37**
